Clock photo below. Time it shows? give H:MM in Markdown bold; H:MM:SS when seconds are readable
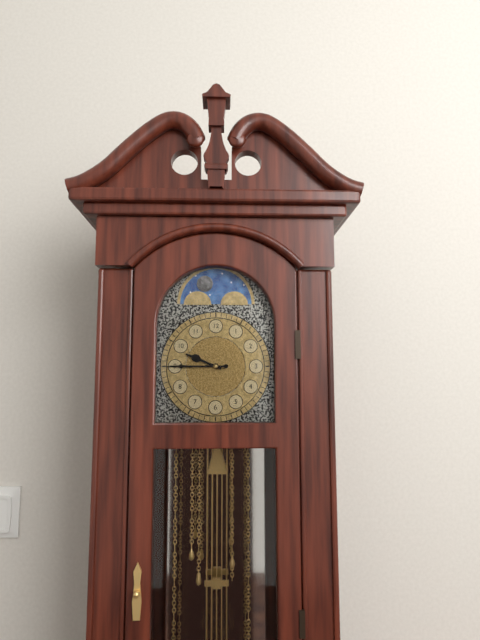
**9:45**
